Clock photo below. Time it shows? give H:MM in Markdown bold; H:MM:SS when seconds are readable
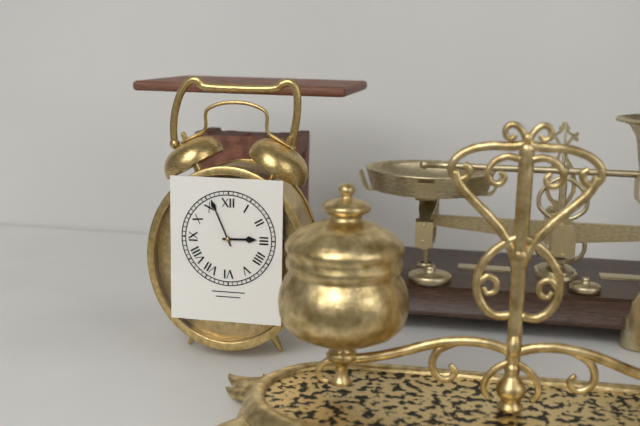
**2:56**
